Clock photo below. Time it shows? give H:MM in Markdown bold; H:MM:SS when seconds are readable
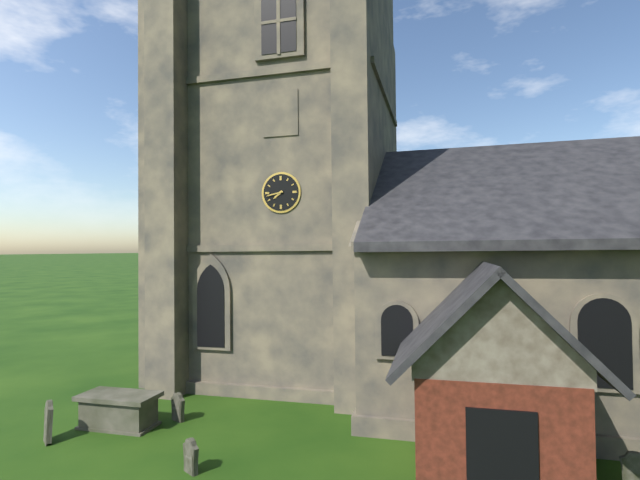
**7:43**
